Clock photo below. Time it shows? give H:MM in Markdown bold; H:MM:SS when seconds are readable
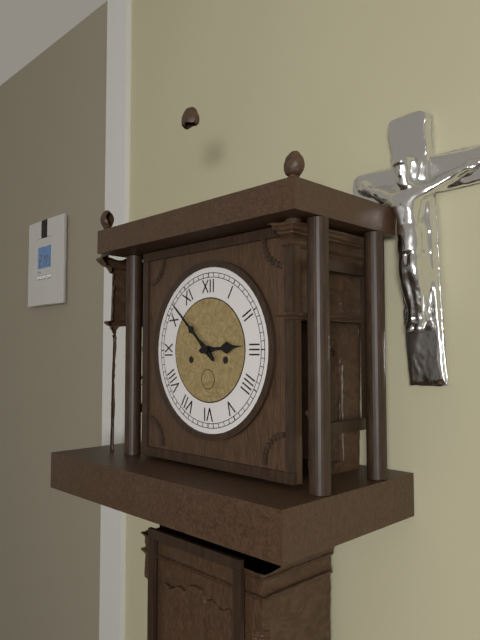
**2:52**
